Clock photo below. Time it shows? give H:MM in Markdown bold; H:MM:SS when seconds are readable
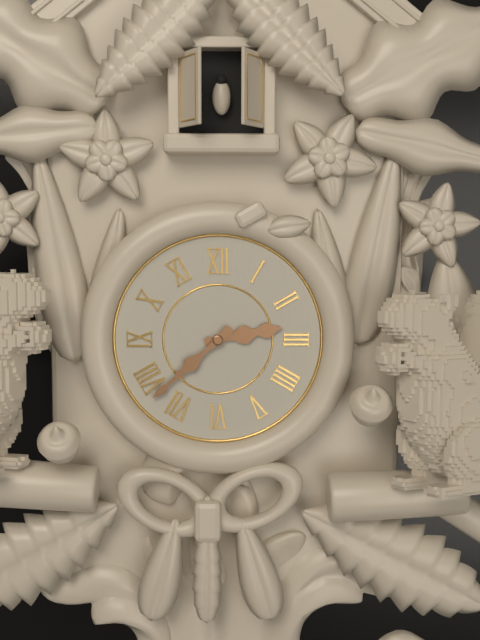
**2:38**
